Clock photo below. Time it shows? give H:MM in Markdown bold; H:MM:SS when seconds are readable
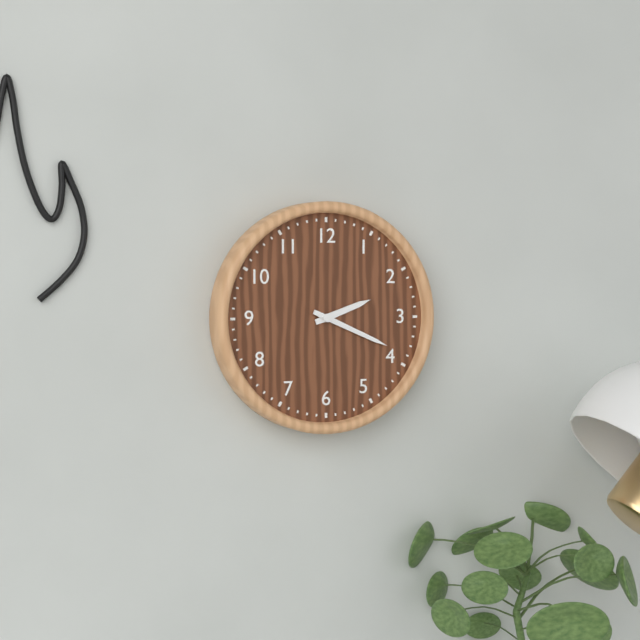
**2:19**
